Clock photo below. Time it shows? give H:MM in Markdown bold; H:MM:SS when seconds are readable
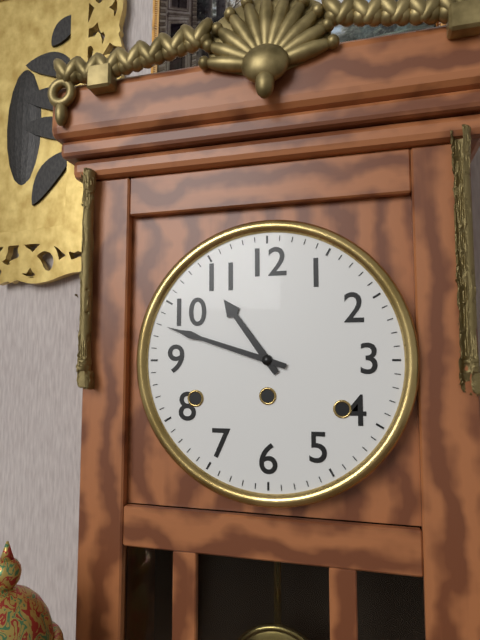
**10:48**
